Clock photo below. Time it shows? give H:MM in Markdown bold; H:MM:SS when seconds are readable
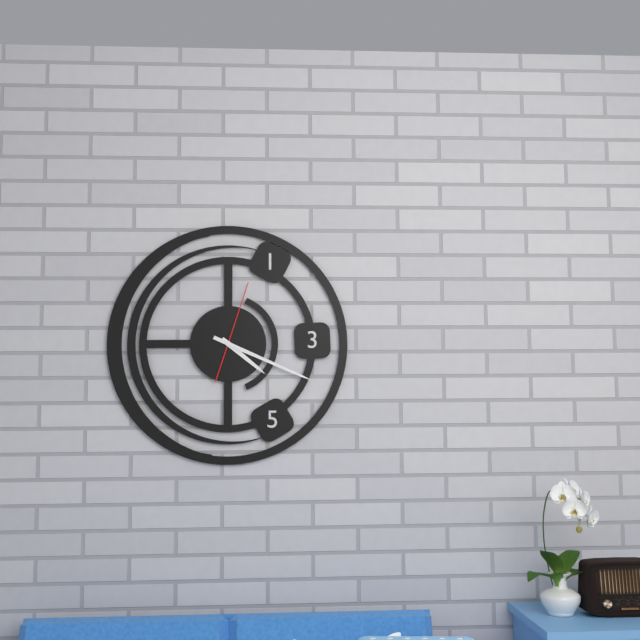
**4:19:03**
